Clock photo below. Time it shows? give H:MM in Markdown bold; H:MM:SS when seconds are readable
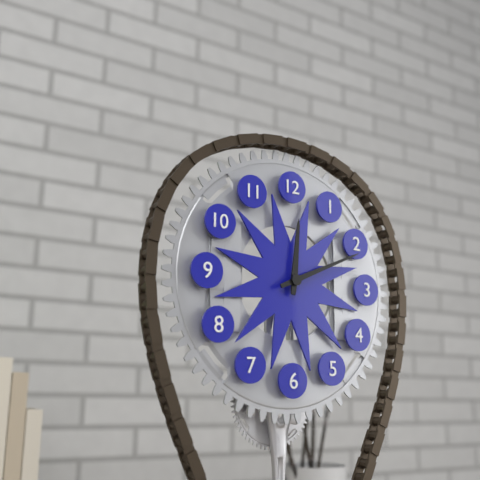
**12:11**
